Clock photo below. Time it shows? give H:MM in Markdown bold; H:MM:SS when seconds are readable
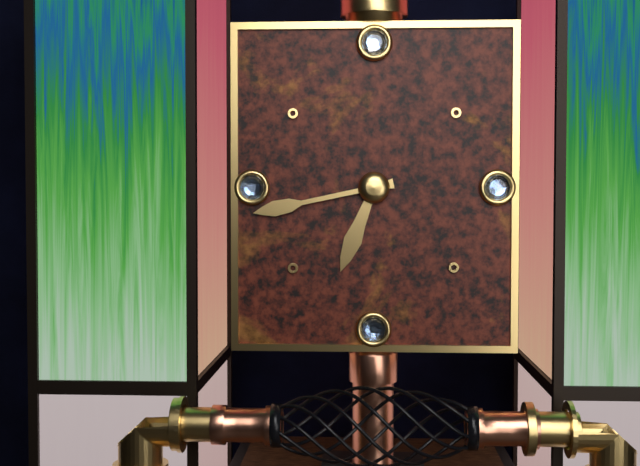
**6:43**
